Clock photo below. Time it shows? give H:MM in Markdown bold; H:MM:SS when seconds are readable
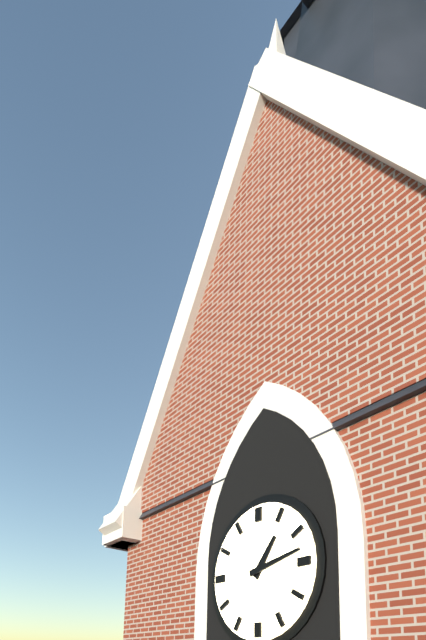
**1:13**
